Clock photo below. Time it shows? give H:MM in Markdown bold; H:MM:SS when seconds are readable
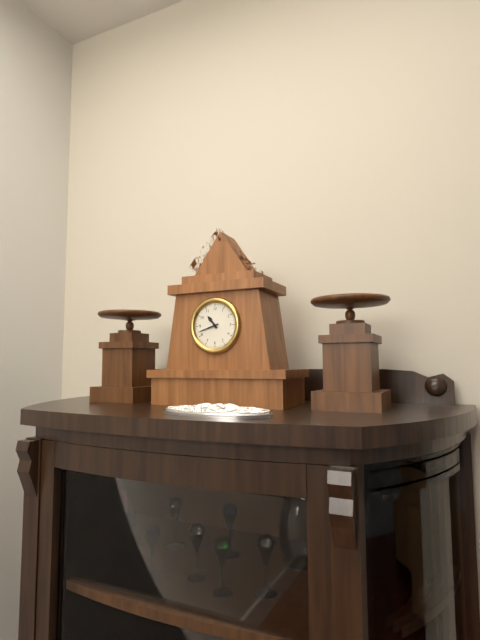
**10:42**
